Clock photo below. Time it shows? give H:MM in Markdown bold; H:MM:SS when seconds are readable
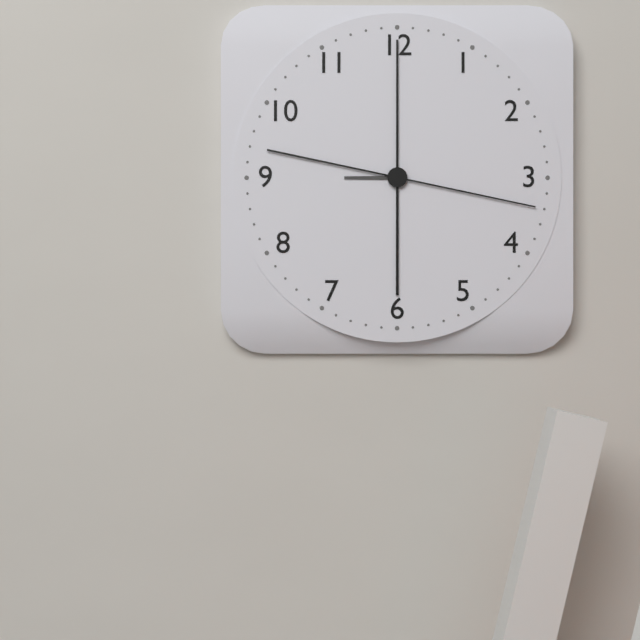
**9:00:17**
